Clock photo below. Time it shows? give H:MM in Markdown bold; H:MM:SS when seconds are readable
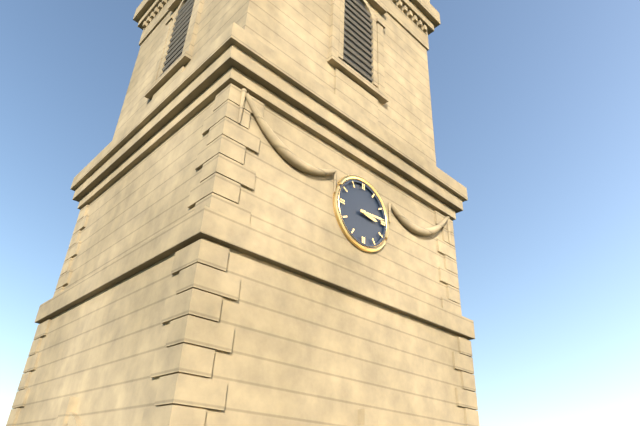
**3:14**
